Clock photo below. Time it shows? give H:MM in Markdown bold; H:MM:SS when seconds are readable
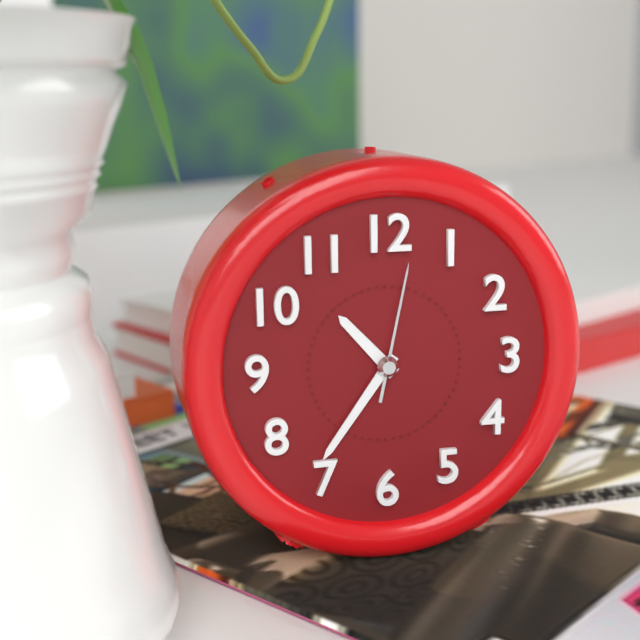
**10:36:02**
